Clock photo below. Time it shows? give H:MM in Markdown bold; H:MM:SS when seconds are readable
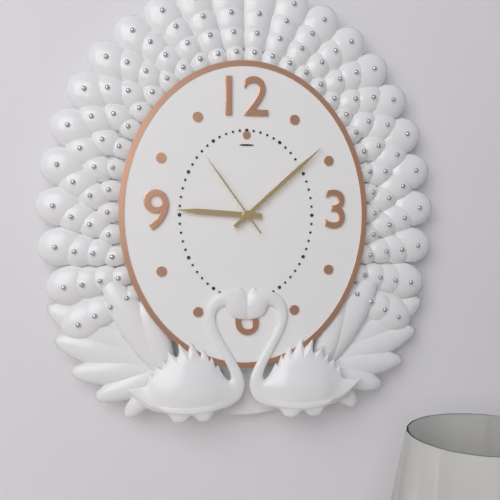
**9:08:54**
